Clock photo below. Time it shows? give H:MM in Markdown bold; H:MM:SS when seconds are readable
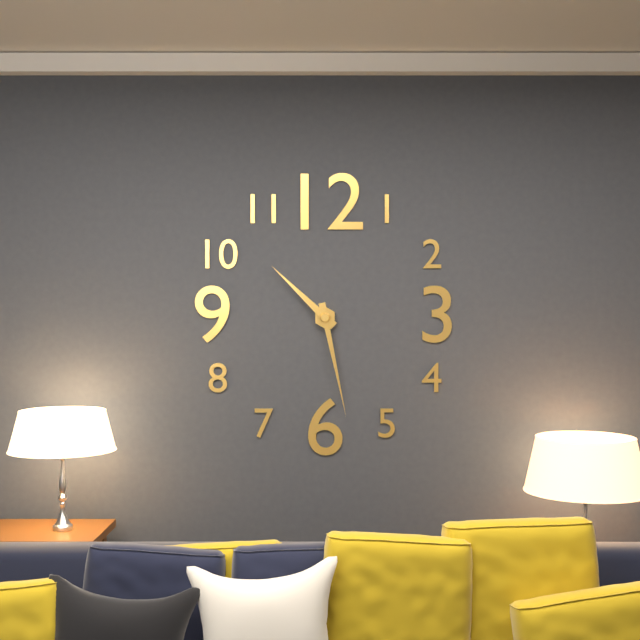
**10:28**
